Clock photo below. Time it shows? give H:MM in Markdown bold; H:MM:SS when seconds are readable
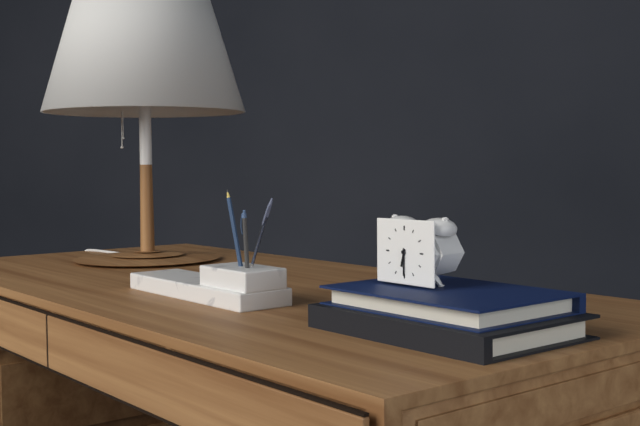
**6:30**
